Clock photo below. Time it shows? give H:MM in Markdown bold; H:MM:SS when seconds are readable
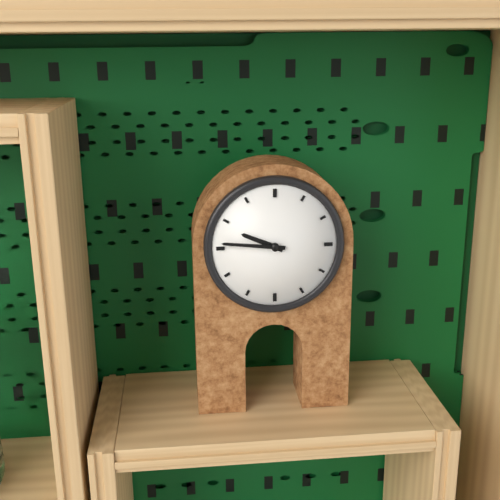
**9:46**
